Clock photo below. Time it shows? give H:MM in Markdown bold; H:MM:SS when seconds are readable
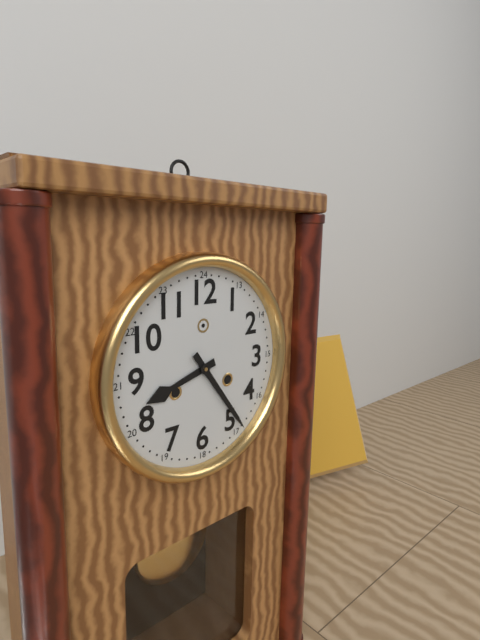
**8:24**
